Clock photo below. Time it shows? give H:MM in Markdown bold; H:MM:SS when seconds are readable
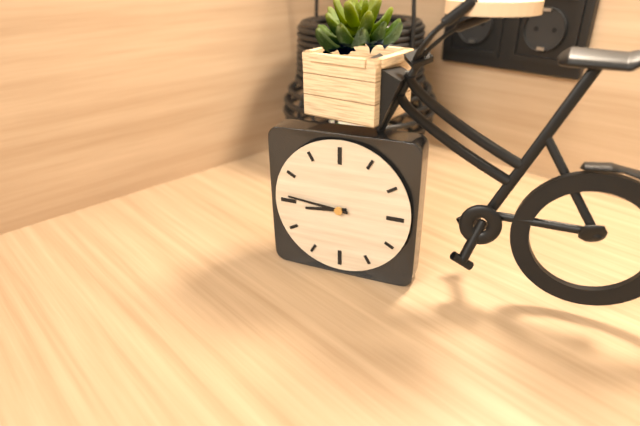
**8:46**
